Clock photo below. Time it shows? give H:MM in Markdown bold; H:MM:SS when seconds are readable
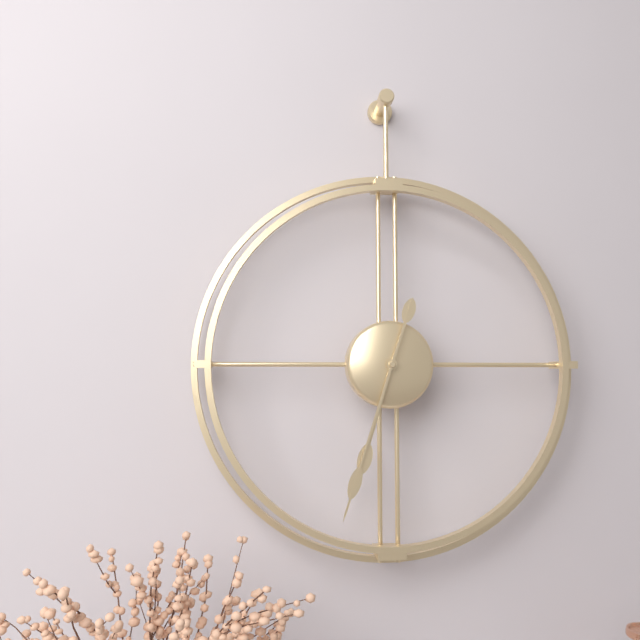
**6:33**
